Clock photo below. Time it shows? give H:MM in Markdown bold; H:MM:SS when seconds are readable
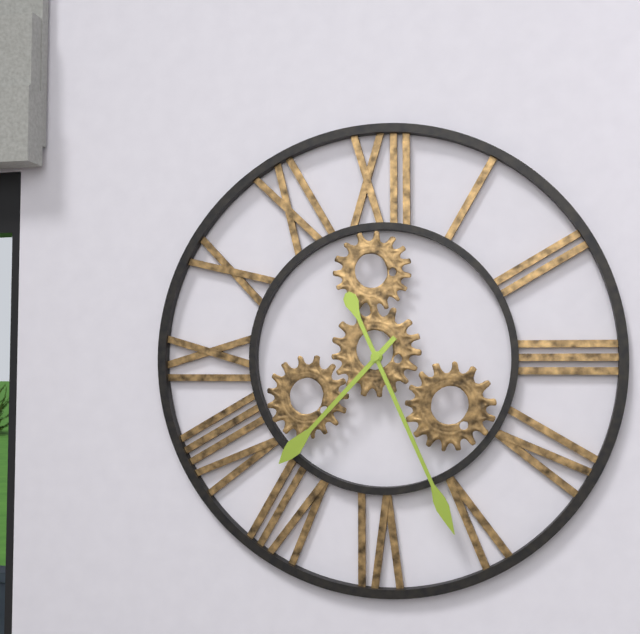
**7:26**
